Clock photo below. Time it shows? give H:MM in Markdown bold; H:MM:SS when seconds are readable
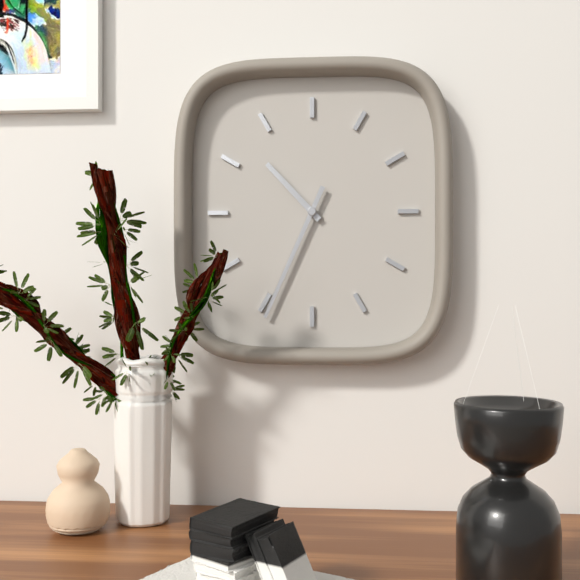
**10:34**
